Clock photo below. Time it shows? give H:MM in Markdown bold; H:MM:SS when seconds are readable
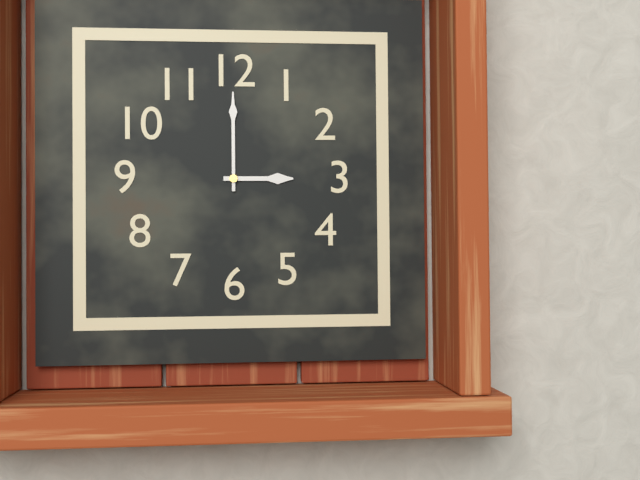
**3:00**
